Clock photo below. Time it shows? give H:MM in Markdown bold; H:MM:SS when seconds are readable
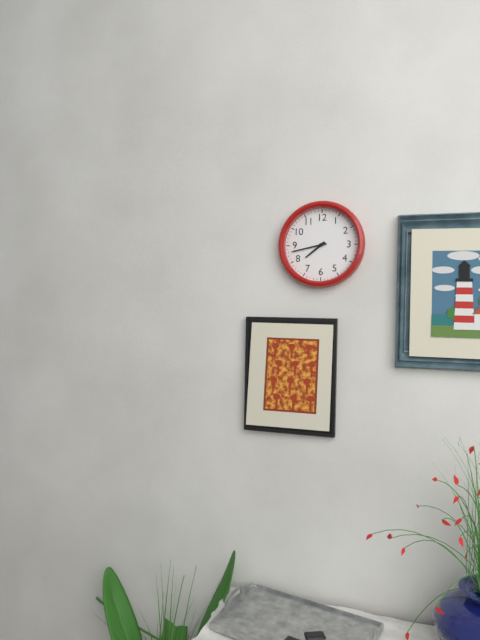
**7:43**
